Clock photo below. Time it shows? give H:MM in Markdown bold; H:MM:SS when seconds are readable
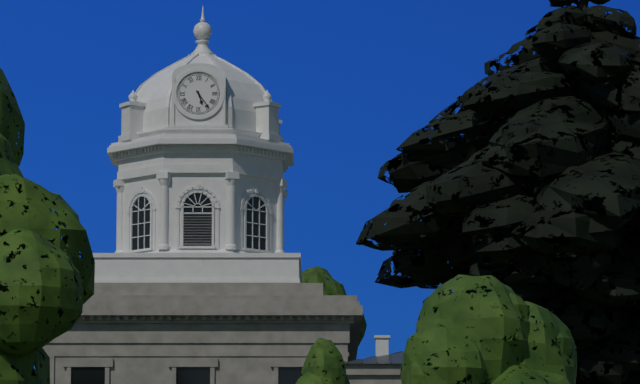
**5:24**
